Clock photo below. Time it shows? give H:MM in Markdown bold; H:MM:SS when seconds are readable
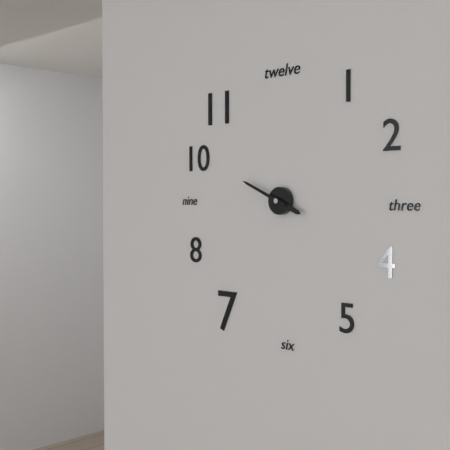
**3:49**
